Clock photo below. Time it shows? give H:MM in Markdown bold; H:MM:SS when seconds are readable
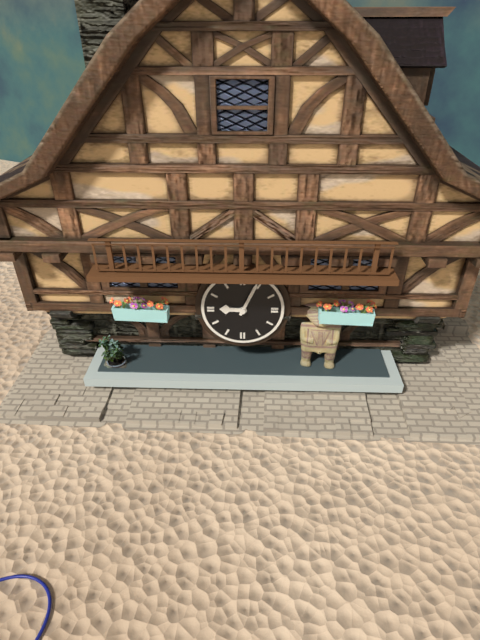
**9:04**
